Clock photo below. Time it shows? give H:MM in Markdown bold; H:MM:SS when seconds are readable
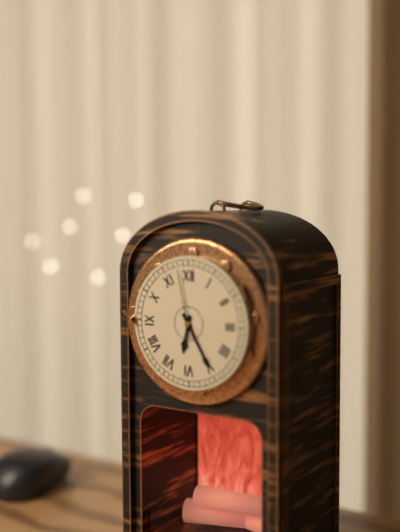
**6:25:58**
